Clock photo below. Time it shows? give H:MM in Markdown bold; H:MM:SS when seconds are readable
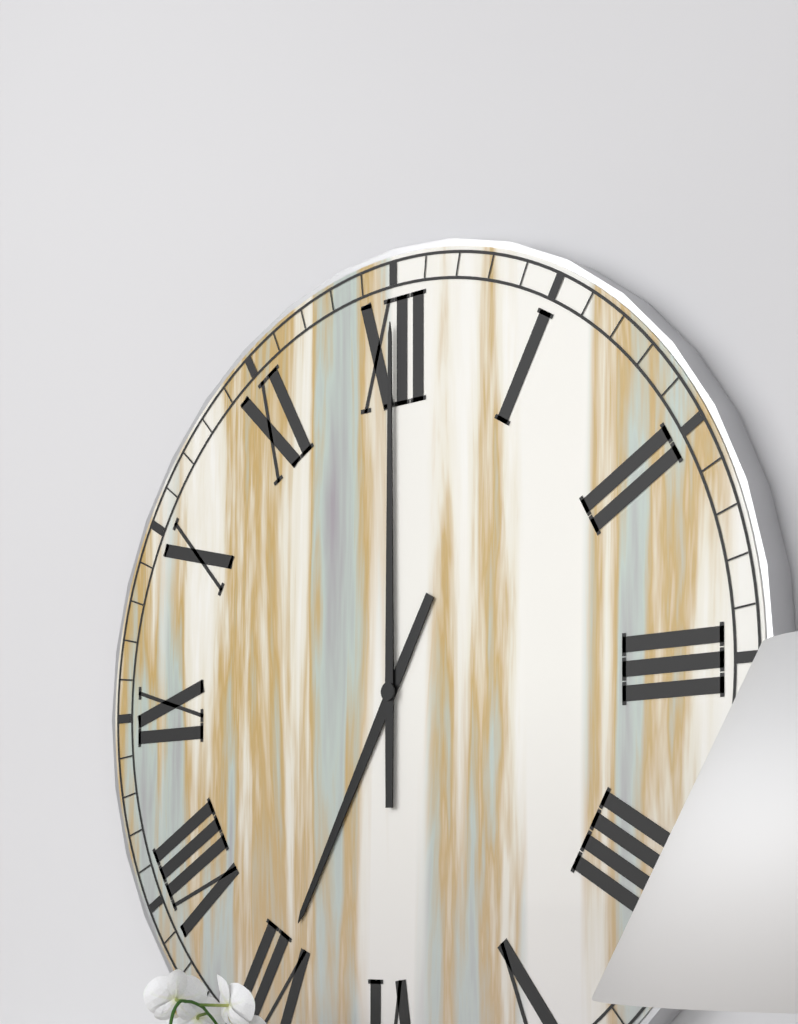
**7:00**
